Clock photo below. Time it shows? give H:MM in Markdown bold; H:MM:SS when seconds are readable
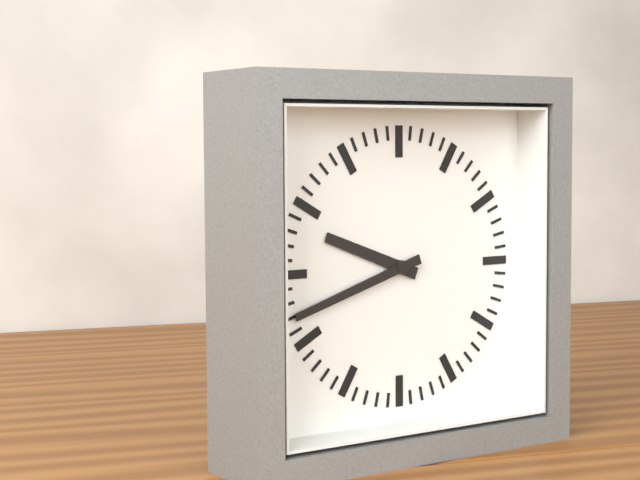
**9:42**
